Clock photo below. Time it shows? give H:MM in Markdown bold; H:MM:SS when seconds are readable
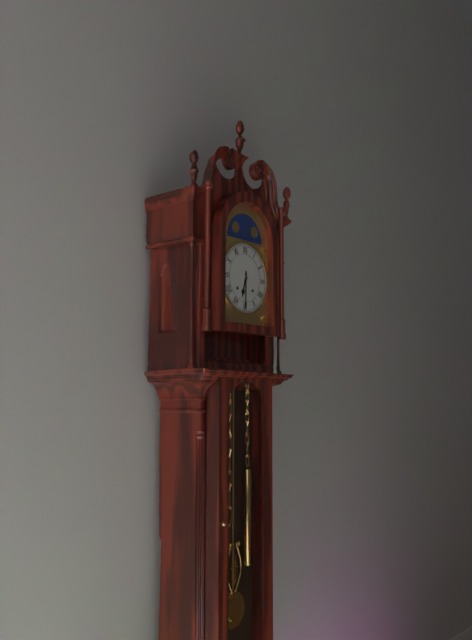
**6:30**
